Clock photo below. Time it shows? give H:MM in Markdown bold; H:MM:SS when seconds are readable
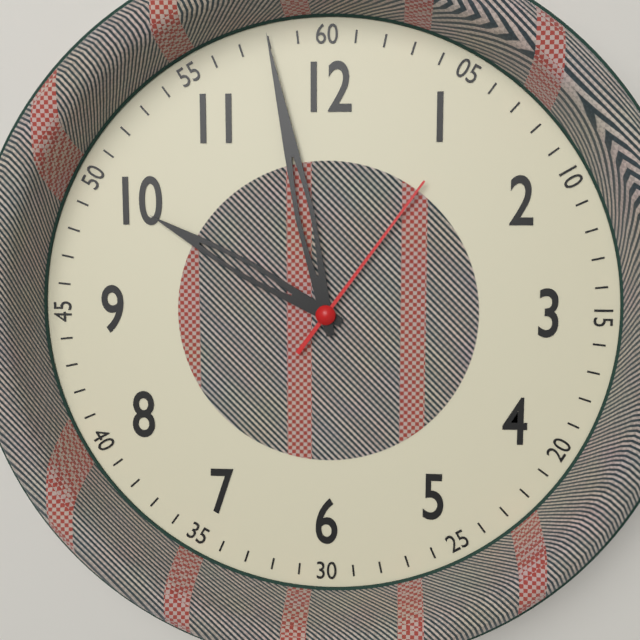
**9:58:06**
